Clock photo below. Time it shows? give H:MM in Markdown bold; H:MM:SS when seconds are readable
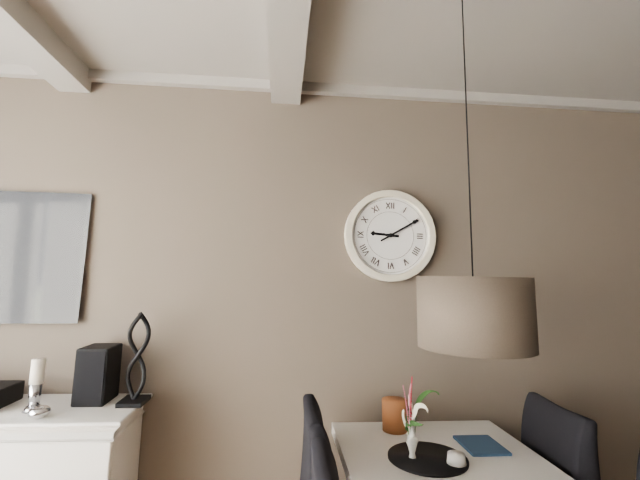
**9:10**
